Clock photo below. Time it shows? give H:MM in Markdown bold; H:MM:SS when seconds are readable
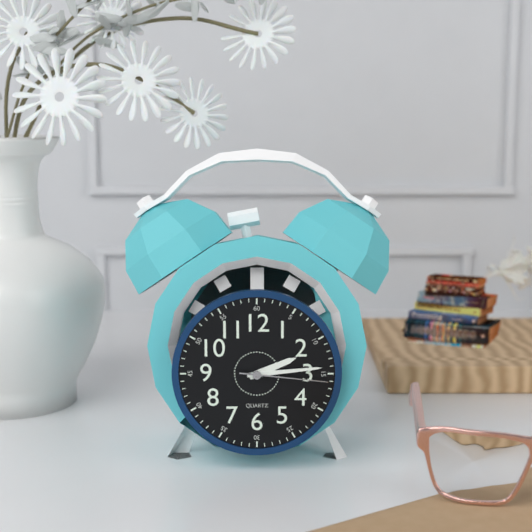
**2:14:16**
